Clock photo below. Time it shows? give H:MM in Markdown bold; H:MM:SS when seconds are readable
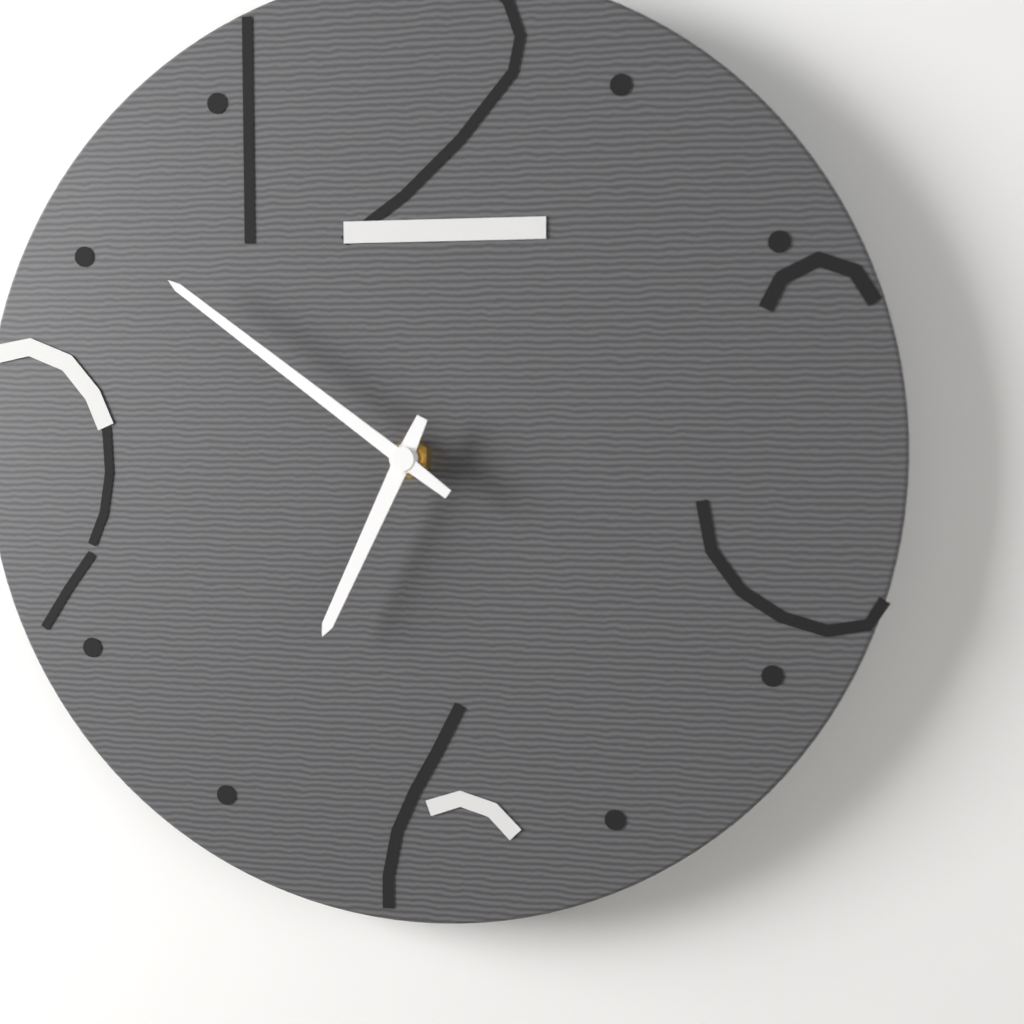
**6:51**
